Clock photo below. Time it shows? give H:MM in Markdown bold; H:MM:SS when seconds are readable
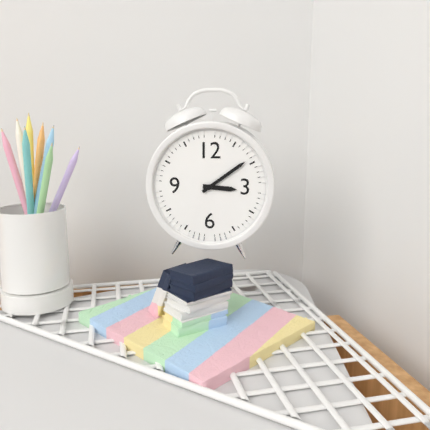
**3:09**
